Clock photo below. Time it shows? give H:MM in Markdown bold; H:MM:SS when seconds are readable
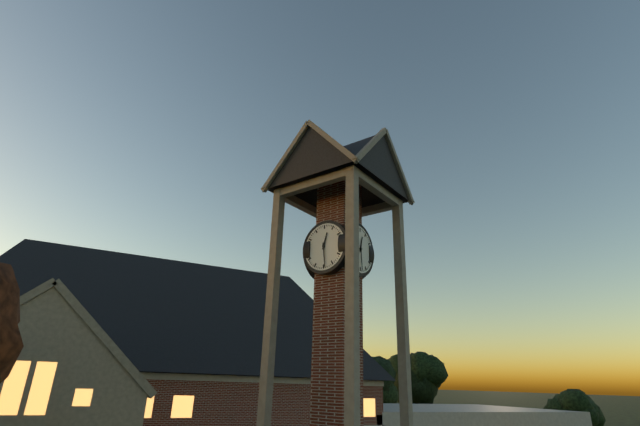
**12:29**
